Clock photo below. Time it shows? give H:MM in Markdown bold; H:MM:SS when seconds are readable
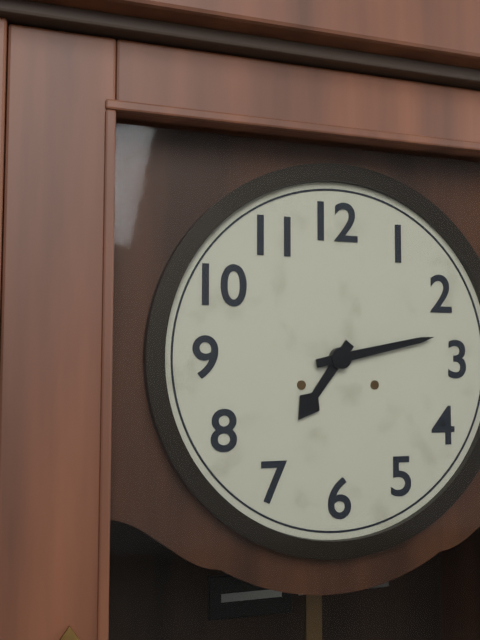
**7:13**
